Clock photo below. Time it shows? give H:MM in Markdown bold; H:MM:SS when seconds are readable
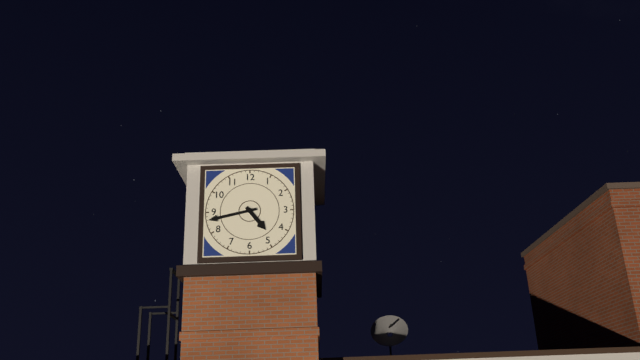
**4:43**
